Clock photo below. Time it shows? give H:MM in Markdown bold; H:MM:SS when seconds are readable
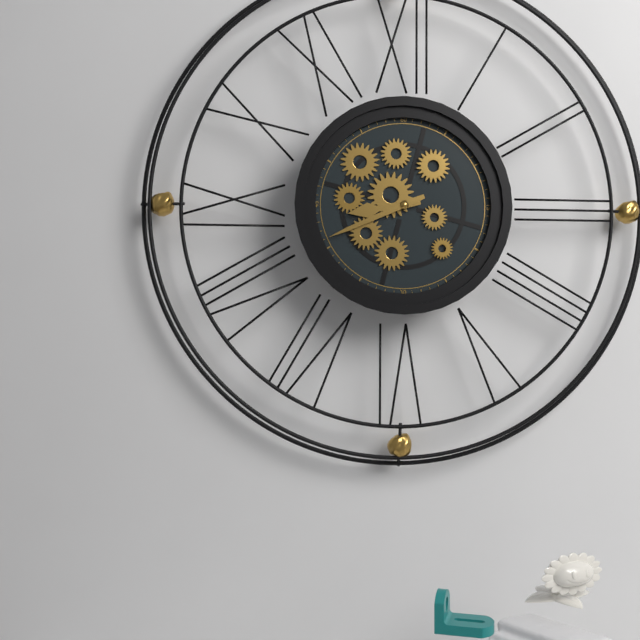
**8:41**
